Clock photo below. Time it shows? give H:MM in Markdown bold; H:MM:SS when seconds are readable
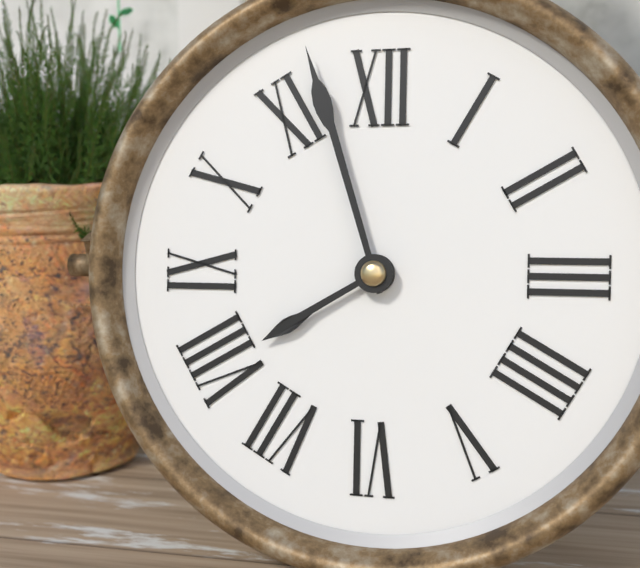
**7:57**
